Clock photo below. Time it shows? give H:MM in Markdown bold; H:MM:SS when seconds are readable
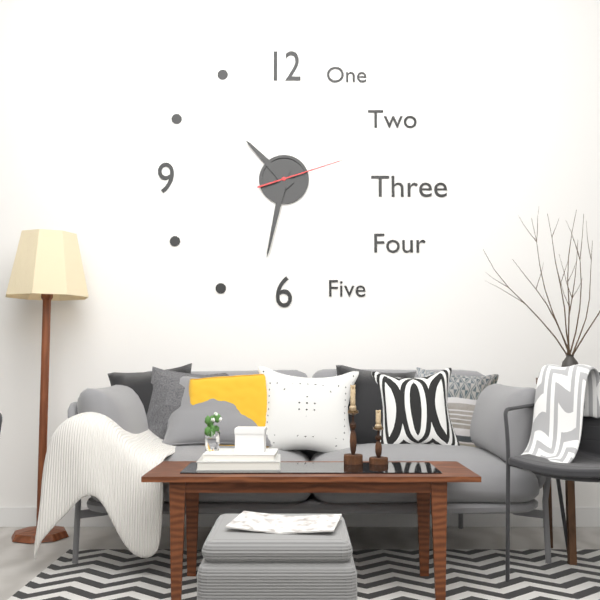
**10:32:12**
